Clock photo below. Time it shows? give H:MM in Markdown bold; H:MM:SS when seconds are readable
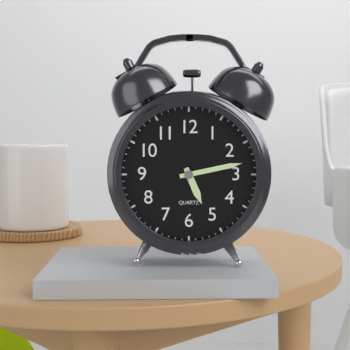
**5:13**
